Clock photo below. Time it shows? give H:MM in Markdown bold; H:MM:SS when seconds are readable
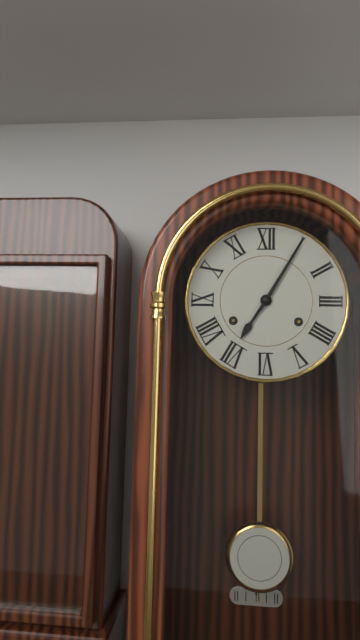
**7:05**
